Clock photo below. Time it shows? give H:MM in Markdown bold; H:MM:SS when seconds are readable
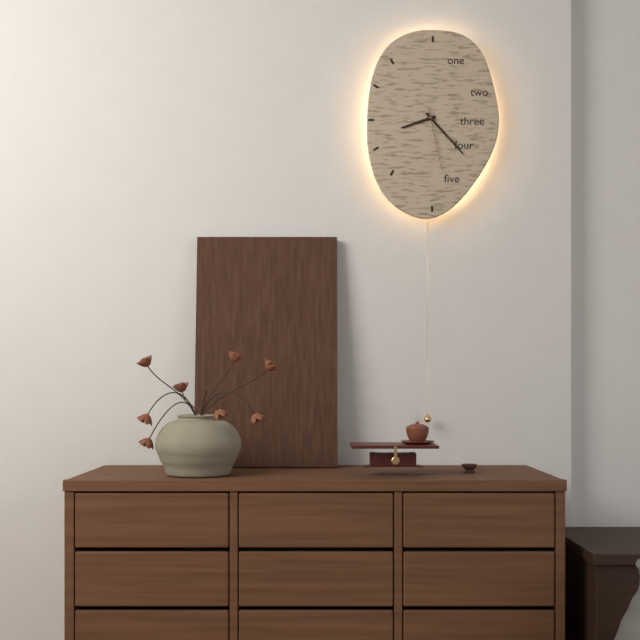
**8:23:28**
